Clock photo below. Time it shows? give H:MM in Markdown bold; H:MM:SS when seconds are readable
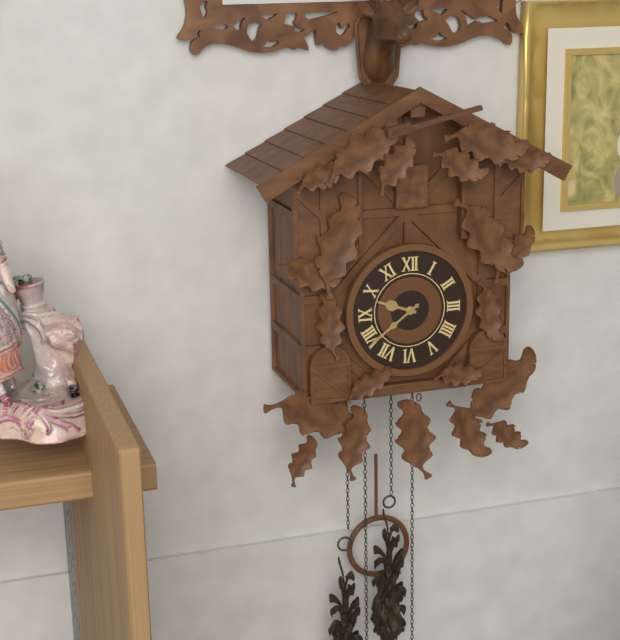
**9:39**
